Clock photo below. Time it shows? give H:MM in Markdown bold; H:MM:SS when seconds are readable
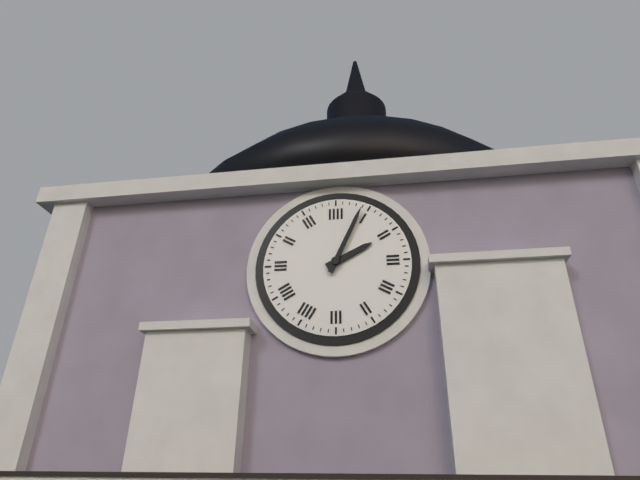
**2:04**
